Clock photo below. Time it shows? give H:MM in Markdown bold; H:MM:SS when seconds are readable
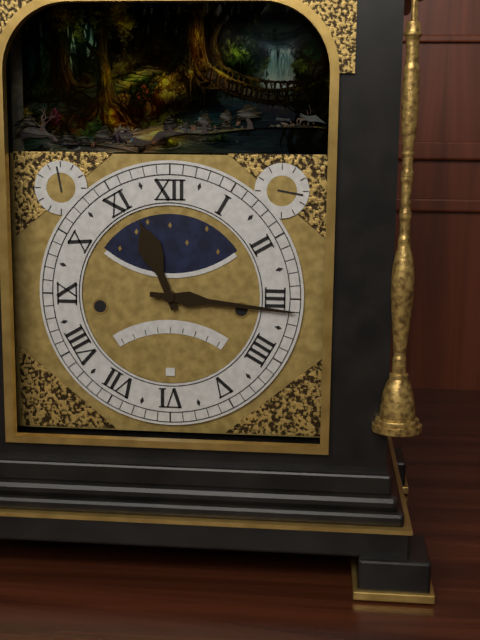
**11:16**
